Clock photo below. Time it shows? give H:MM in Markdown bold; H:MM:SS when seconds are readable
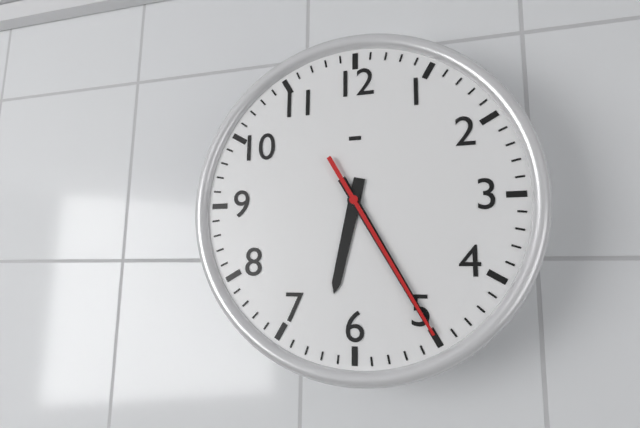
**6:25:25**
